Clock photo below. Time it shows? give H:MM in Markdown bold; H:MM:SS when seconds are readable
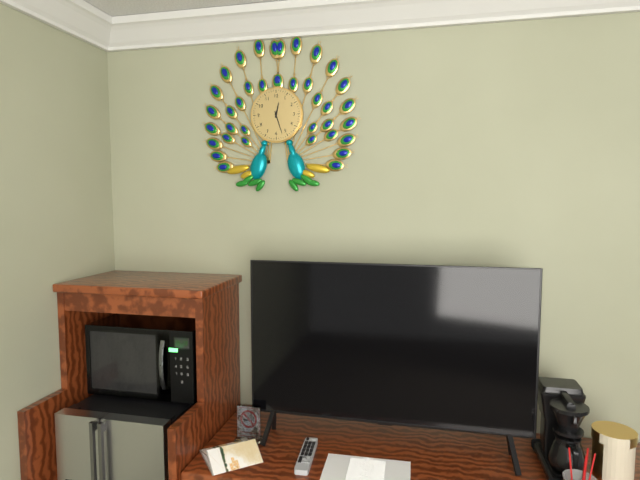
**12:27**
